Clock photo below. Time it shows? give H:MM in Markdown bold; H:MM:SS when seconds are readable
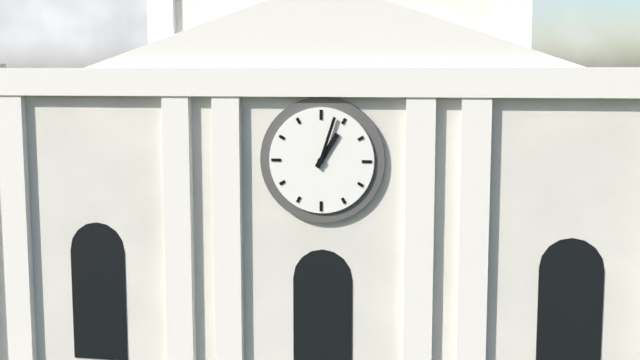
**1:03**
